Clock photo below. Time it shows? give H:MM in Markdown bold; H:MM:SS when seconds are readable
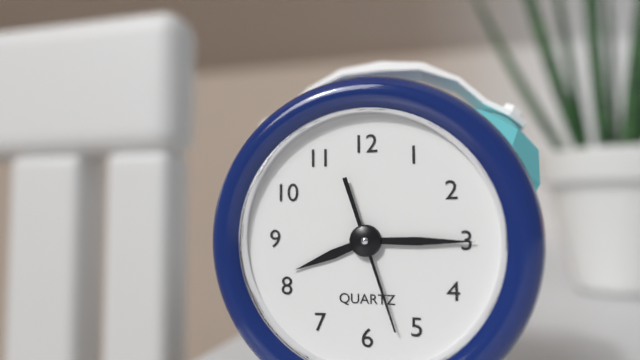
**8:15:27**
